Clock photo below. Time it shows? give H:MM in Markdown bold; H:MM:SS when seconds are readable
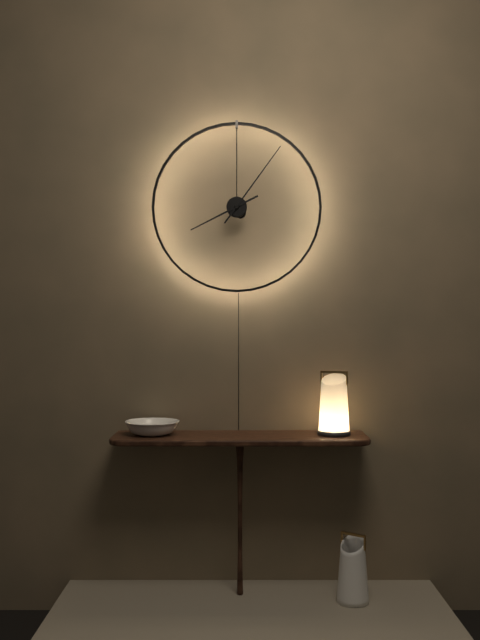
**8:06**
